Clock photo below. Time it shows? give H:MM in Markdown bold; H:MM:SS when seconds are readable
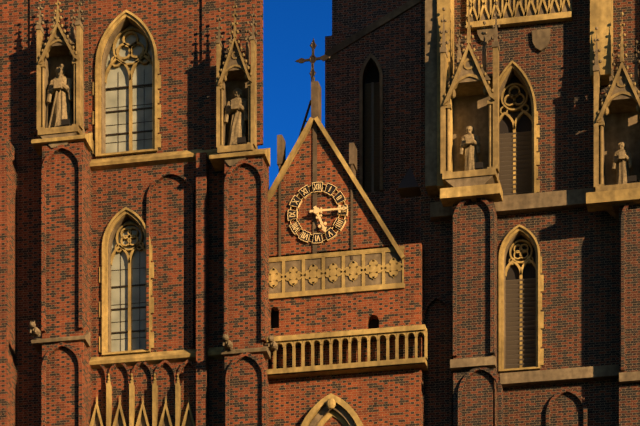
**5:15**
